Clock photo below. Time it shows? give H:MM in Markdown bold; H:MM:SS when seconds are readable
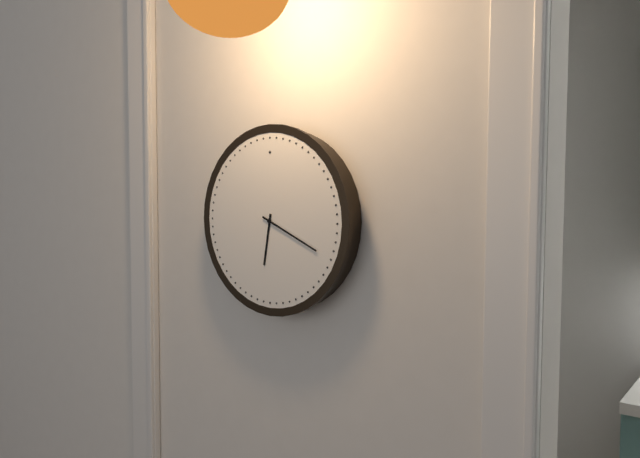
**6:19**
